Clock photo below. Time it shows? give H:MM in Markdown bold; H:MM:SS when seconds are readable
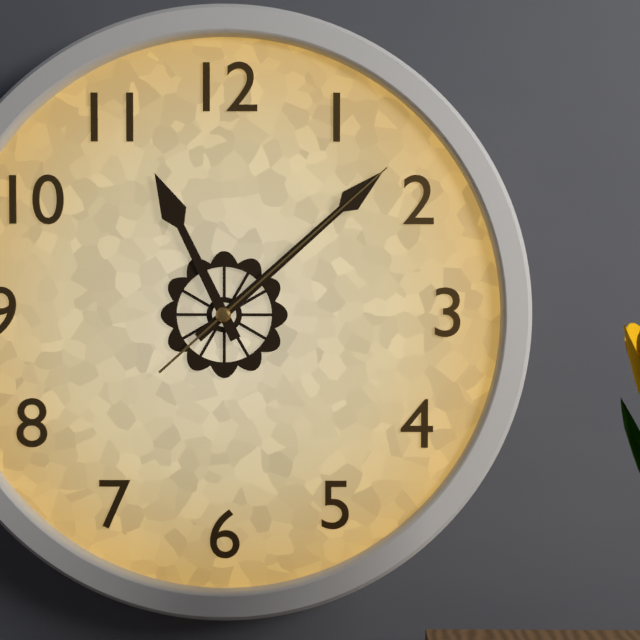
**11:08:08**
